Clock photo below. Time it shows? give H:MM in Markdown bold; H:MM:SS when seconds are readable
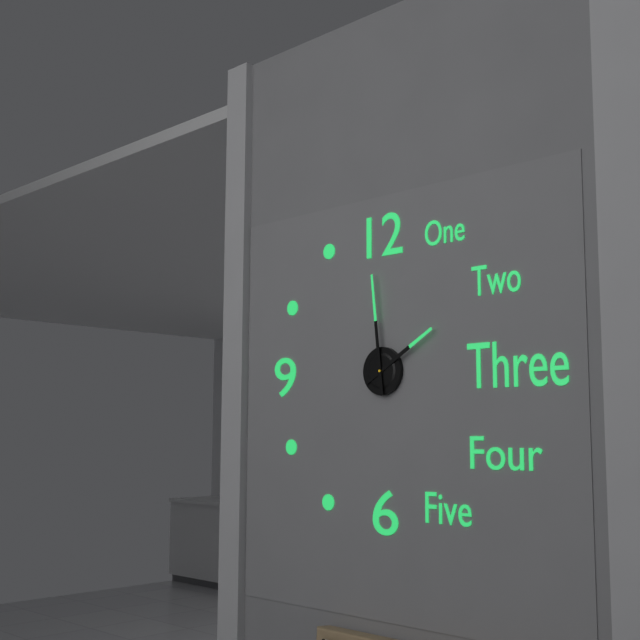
**1:59**
